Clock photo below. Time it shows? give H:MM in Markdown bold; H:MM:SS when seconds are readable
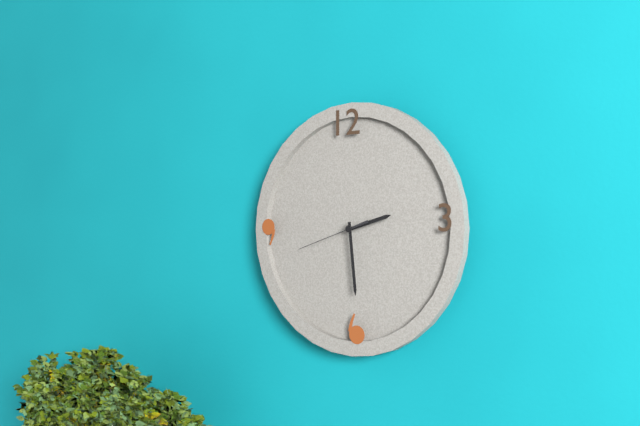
**2:29:42**
